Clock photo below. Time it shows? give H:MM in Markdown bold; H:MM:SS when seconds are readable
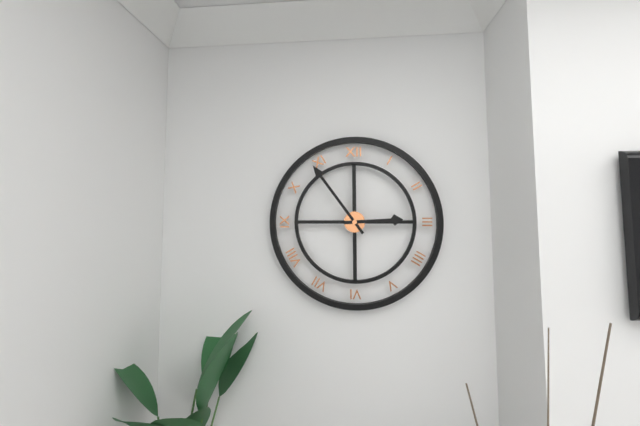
**2:54**
